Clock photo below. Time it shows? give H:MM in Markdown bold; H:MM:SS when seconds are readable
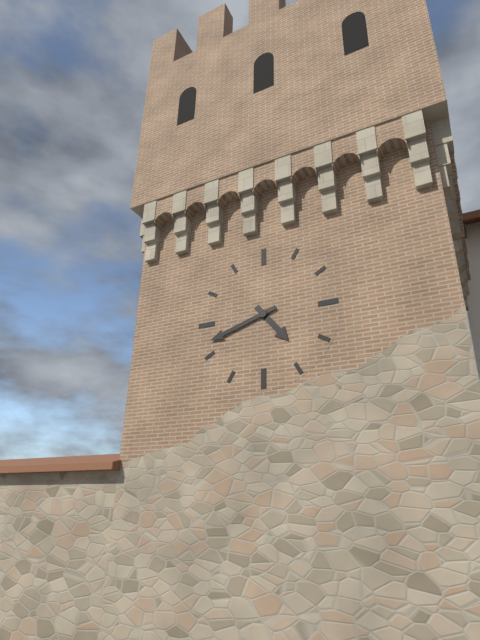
**4:42**
